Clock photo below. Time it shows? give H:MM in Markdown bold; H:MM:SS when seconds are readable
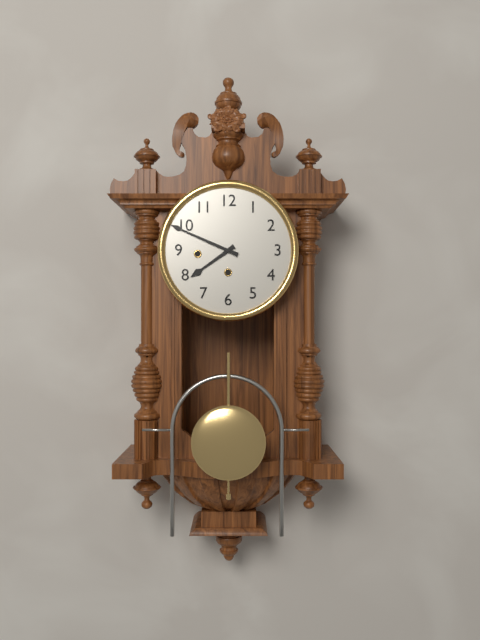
**7:49**
